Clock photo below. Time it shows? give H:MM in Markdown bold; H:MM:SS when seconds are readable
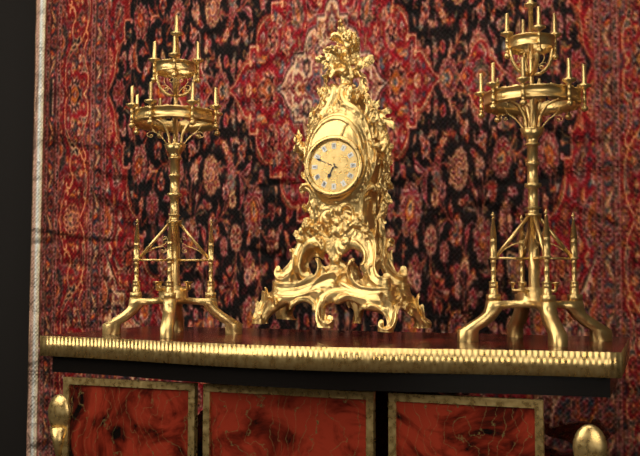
**6:49**
